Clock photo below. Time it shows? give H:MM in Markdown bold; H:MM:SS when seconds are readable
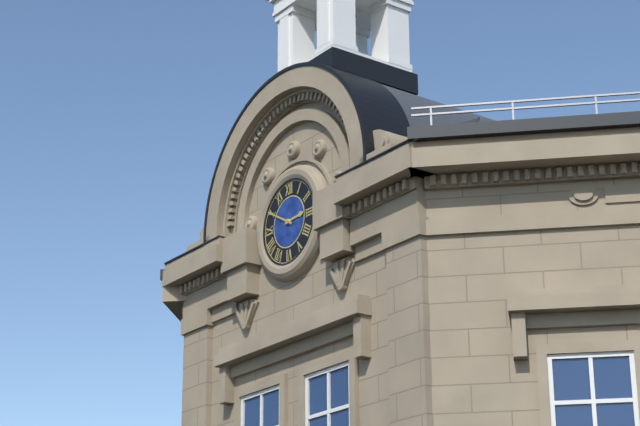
**2:50**
